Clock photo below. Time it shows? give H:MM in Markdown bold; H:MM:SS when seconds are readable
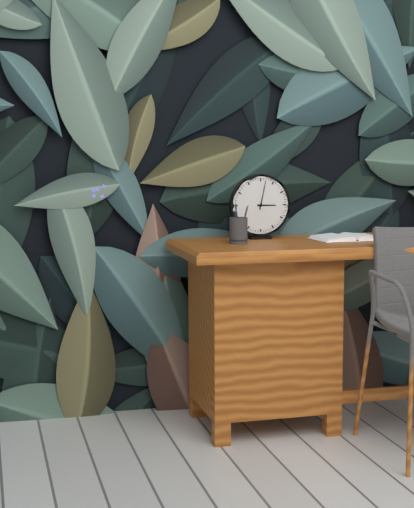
**3:02**
